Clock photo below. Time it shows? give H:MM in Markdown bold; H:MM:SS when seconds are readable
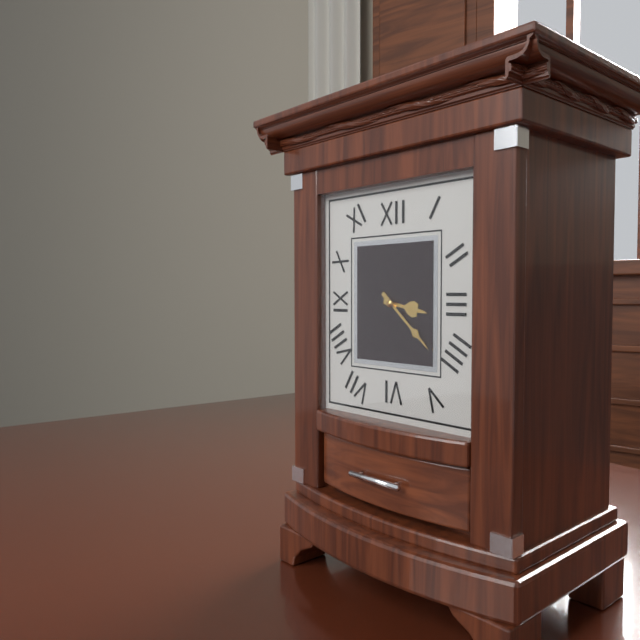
**3:22**
